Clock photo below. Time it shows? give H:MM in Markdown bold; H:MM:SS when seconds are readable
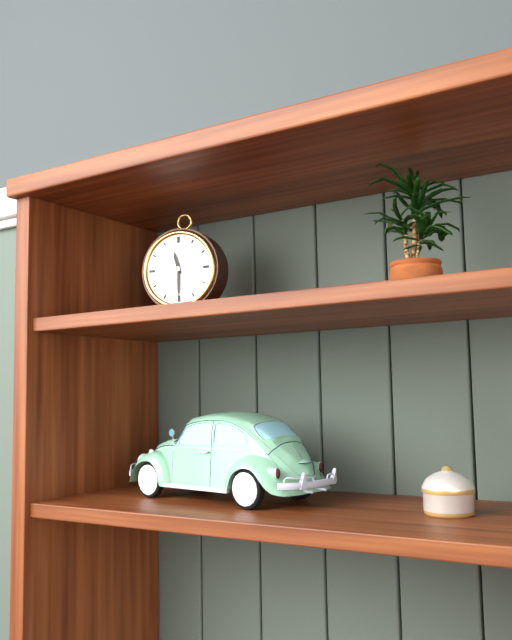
**11:30**
